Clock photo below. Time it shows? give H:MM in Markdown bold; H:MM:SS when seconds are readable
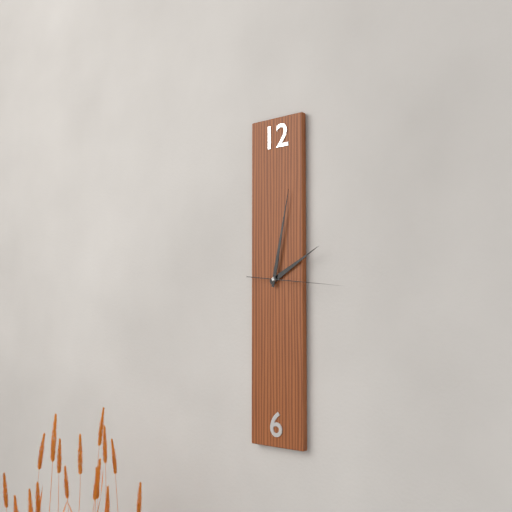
**2:02:16**
